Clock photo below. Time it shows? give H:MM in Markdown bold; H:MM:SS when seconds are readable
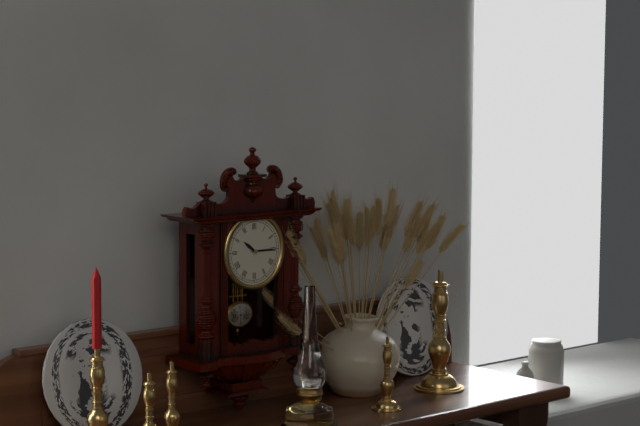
**10:15**
